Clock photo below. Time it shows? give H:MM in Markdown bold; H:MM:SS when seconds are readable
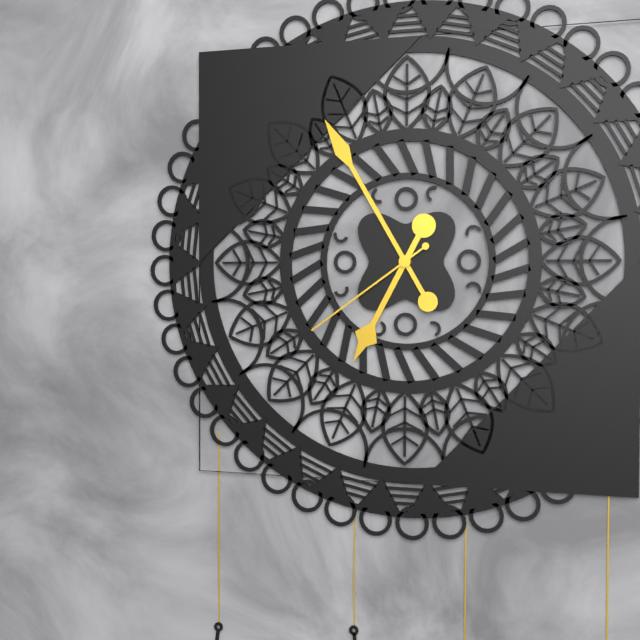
**6:55:39**
